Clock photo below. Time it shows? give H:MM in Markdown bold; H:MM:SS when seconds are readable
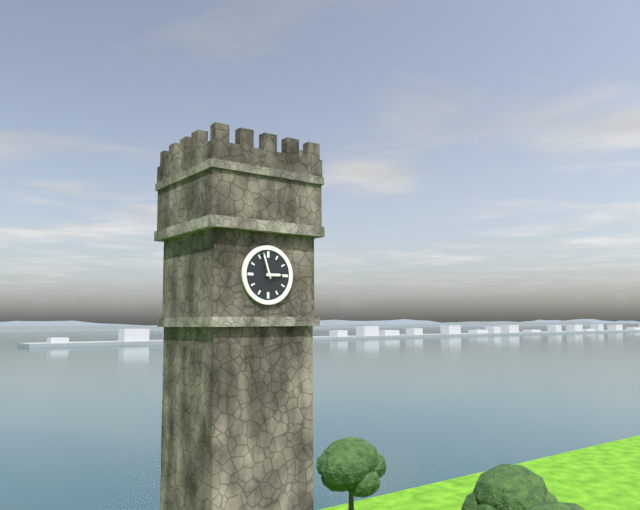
**2:57**
